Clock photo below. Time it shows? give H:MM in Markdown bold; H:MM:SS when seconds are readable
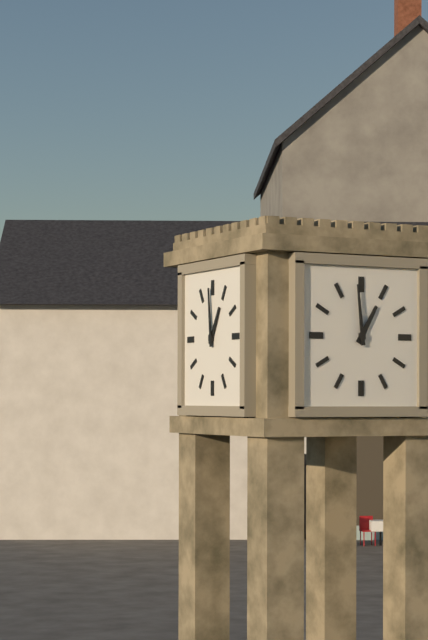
**12:59**
